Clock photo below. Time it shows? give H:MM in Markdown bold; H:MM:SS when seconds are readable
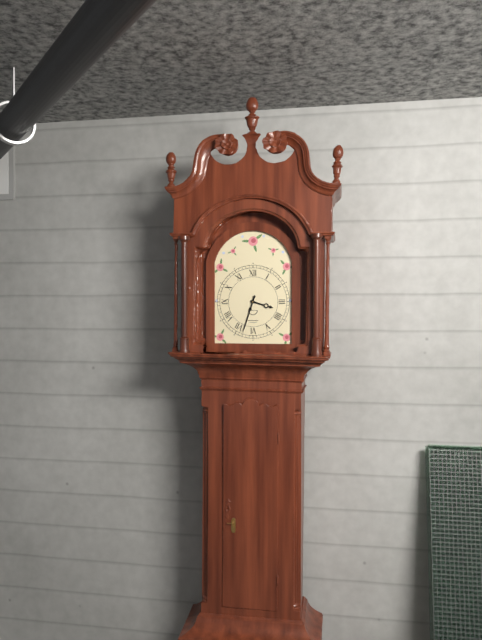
**3:33**
